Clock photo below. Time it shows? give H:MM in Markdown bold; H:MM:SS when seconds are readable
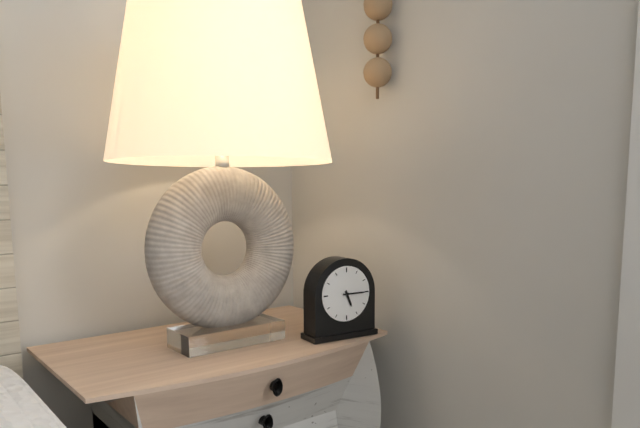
**5:15**
